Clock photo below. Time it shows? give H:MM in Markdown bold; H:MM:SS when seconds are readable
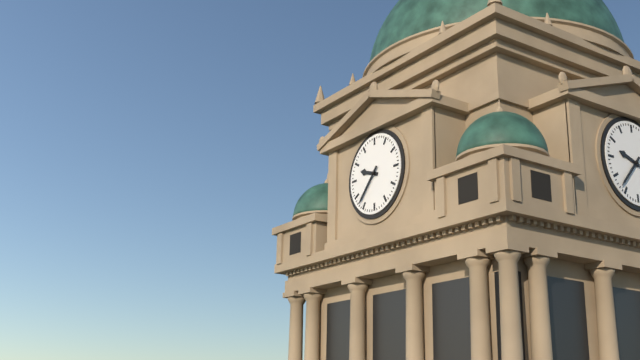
**9:37**
